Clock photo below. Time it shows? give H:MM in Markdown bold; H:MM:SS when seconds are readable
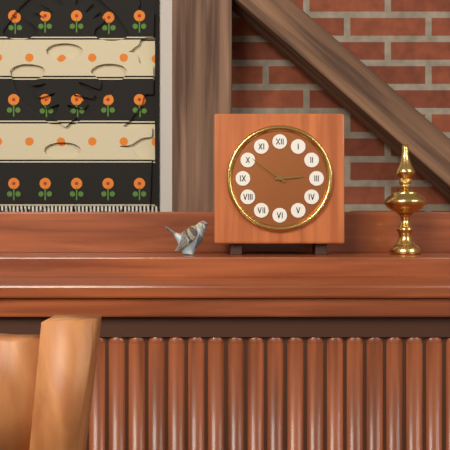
**2:51**
